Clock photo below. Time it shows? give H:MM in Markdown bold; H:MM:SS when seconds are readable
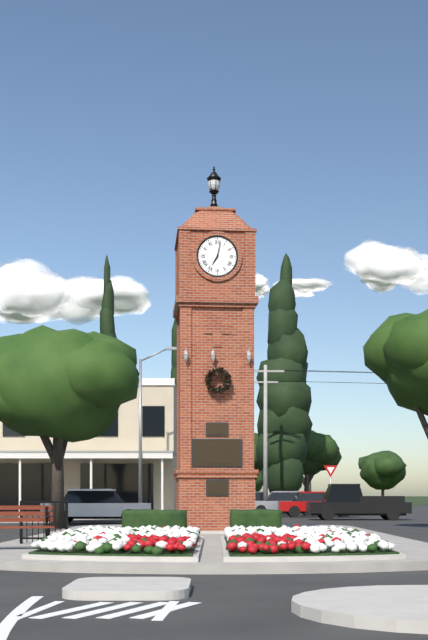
**7:02**
